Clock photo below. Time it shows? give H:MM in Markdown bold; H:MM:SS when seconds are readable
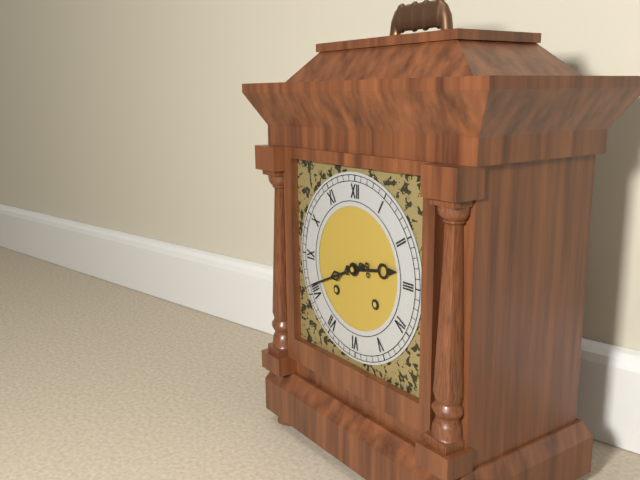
**2:41**
